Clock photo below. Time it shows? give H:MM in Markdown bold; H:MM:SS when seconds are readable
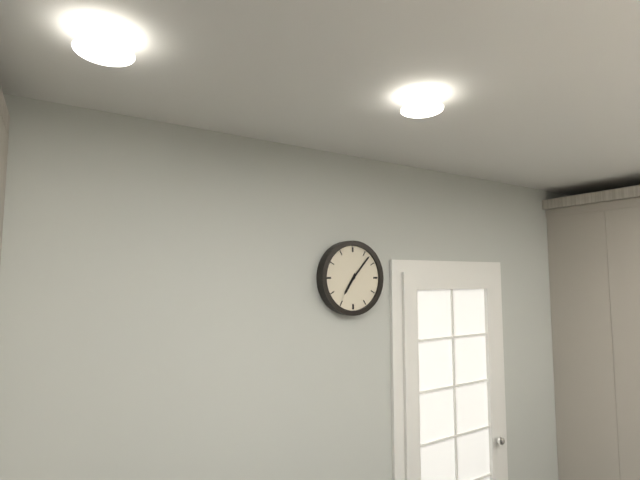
**7:07**
